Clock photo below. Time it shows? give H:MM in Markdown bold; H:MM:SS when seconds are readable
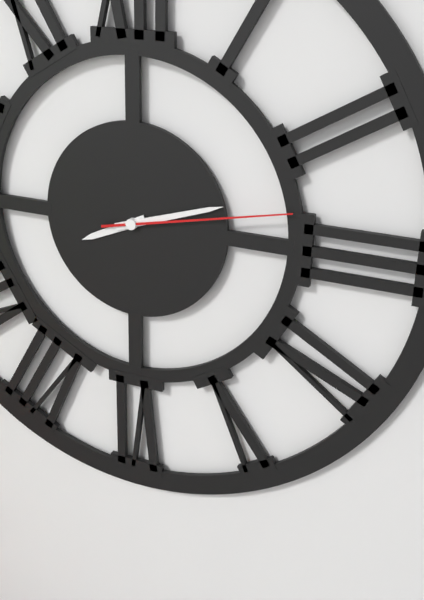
**8:12:13**
